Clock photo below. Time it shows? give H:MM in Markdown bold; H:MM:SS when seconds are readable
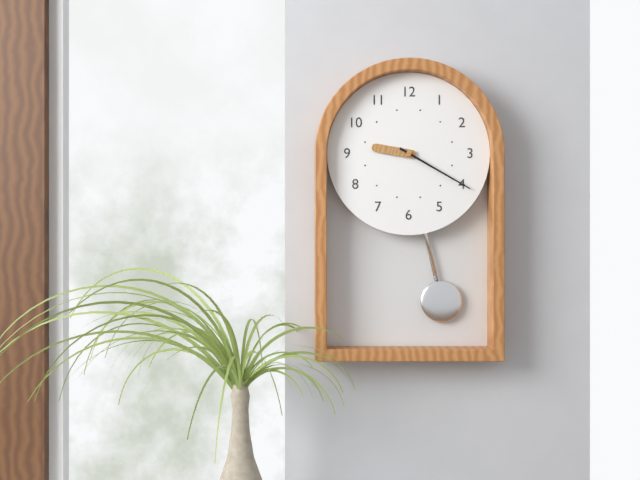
**9:20**
